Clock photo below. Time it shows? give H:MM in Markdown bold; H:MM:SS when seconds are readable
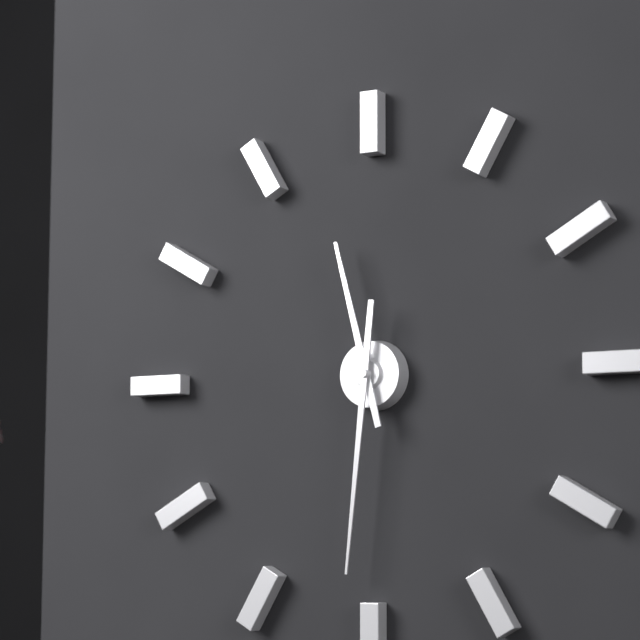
**11:31**
